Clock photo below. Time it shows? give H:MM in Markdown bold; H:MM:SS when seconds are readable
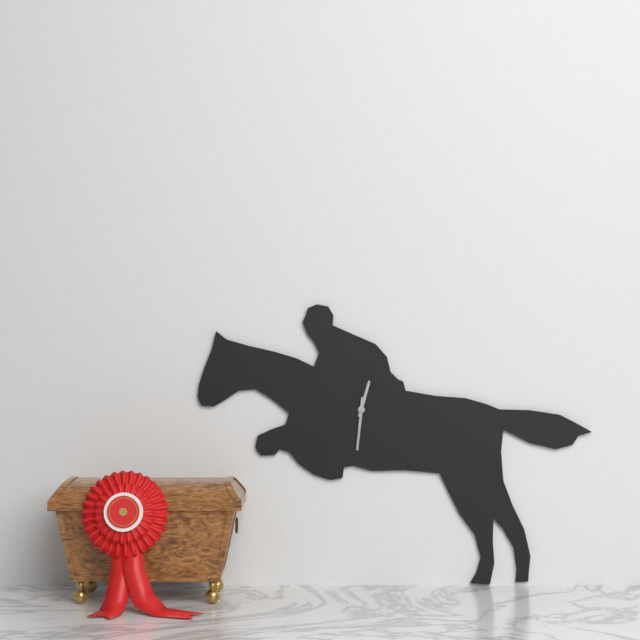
**12:31**
